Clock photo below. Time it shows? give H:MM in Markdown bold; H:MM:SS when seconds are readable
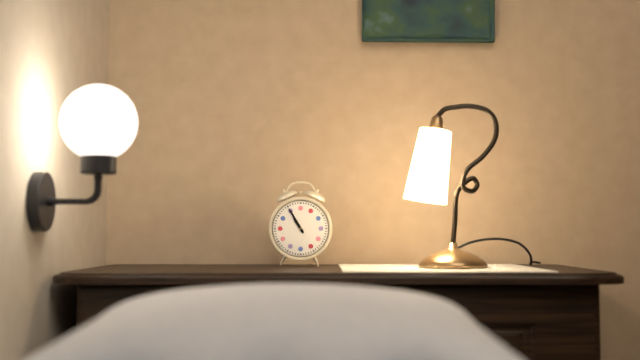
**10:55**
